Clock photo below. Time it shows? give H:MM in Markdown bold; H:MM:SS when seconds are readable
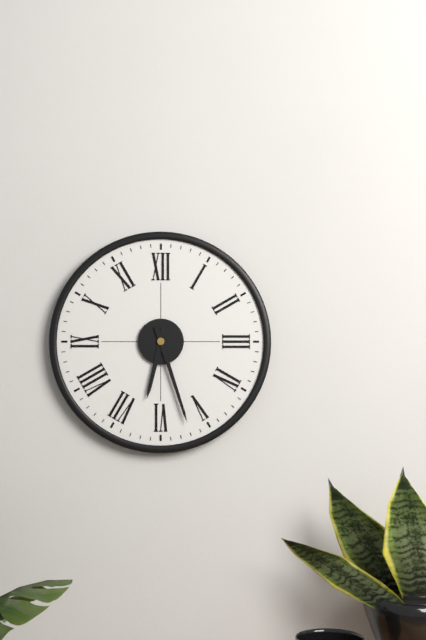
**6:27**
